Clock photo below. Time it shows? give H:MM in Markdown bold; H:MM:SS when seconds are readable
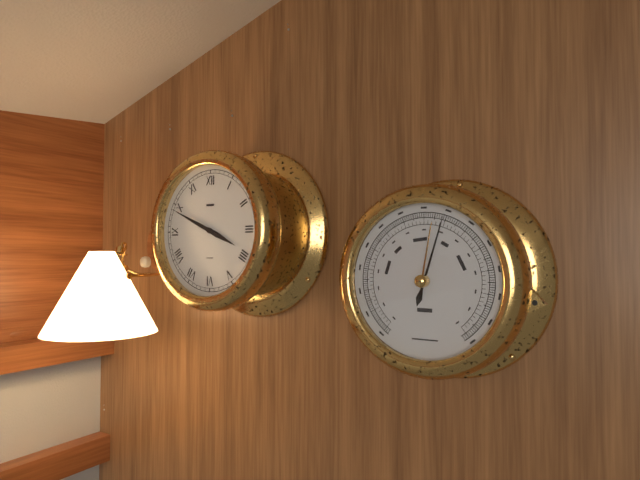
**3:49**
